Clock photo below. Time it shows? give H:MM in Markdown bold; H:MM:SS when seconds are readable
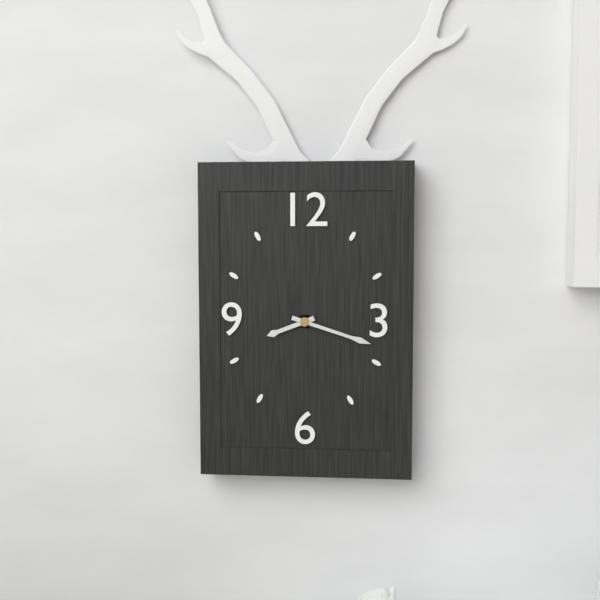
**8:18**
